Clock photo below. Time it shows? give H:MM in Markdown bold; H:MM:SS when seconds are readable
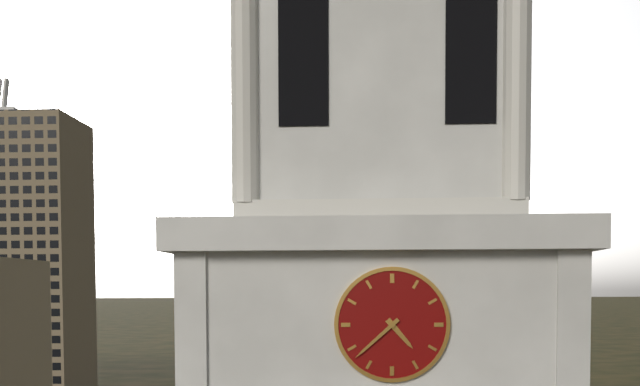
**4:38**
